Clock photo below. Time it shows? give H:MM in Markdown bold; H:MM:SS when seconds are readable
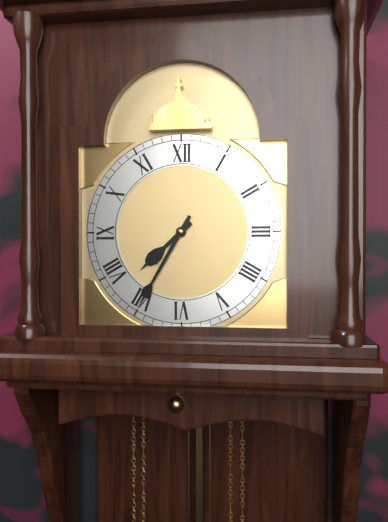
**7:35**
